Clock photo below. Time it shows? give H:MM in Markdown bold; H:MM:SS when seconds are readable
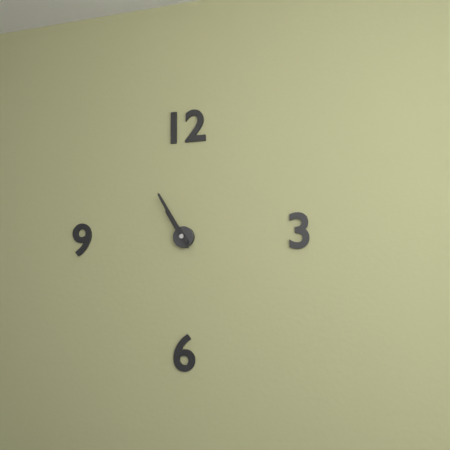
**10:55:55**
